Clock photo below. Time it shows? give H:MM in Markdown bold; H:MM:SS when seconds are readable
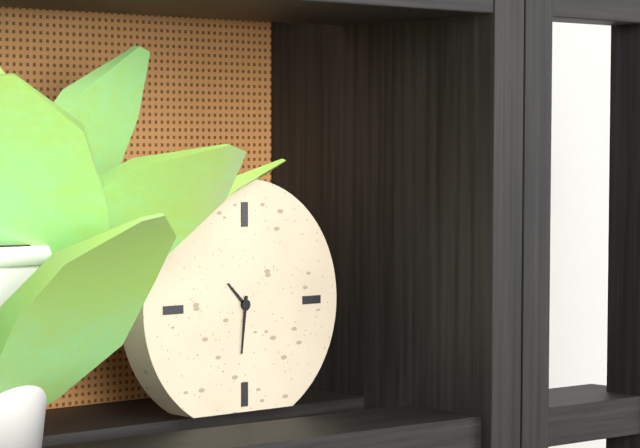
**10:31**
